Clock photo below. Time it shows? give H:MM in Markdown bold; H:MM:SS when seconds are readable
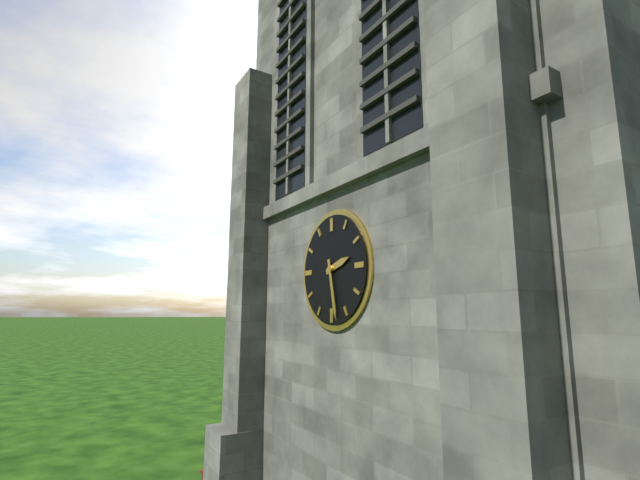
**2:28**
